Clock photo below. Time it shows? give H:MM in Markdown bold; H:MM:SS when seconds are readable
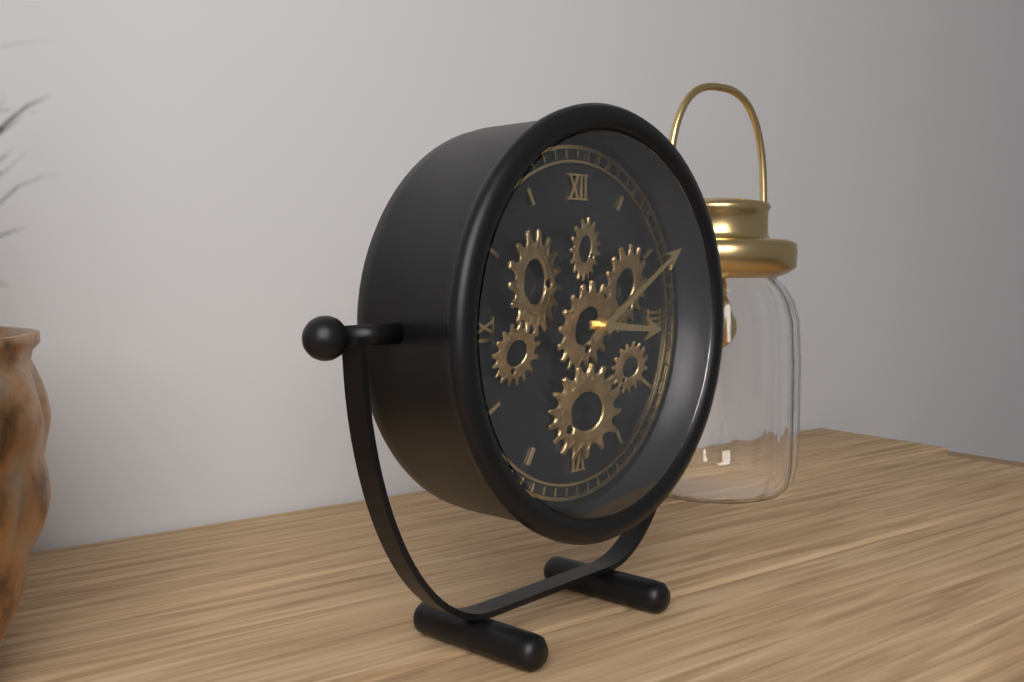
**3:10**
